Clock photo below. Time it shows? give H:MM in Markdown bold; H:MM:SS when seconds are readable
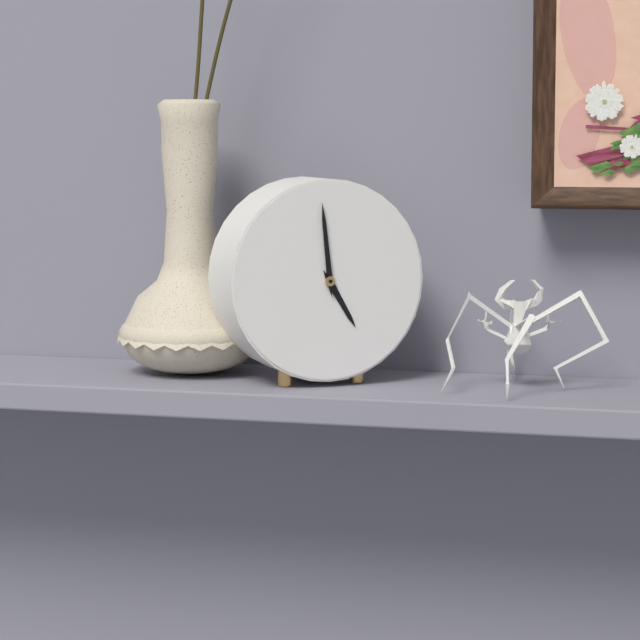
**4:59**
